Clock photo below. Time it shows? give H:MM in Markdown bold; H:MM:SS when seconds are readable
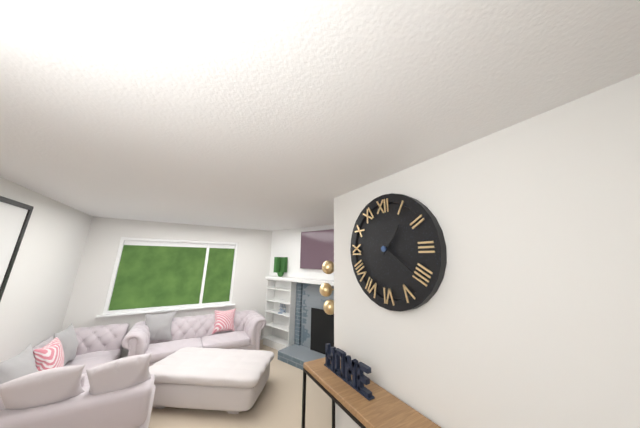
**1:21**
